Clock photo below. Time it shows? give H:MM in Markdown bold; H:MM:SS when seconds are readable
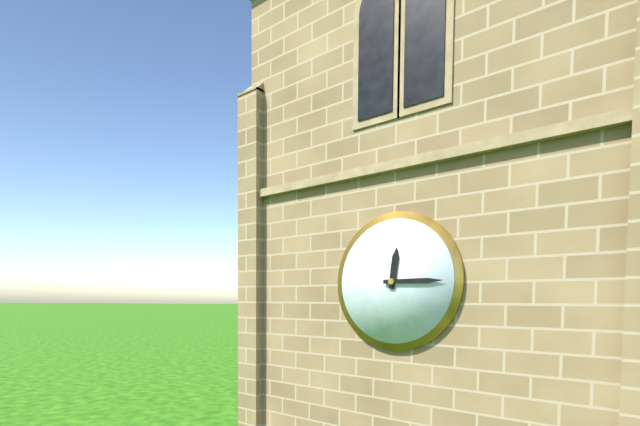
**12:15**
